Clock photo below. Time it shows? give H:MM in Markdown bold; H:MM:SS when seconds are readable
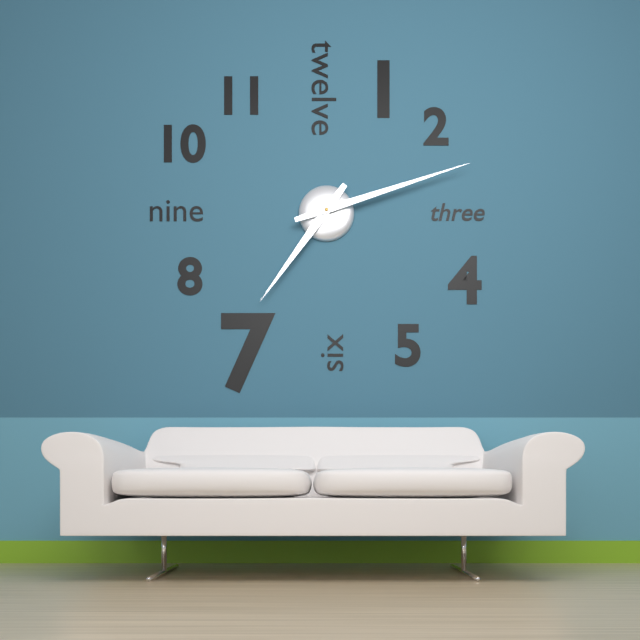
**7:12**
